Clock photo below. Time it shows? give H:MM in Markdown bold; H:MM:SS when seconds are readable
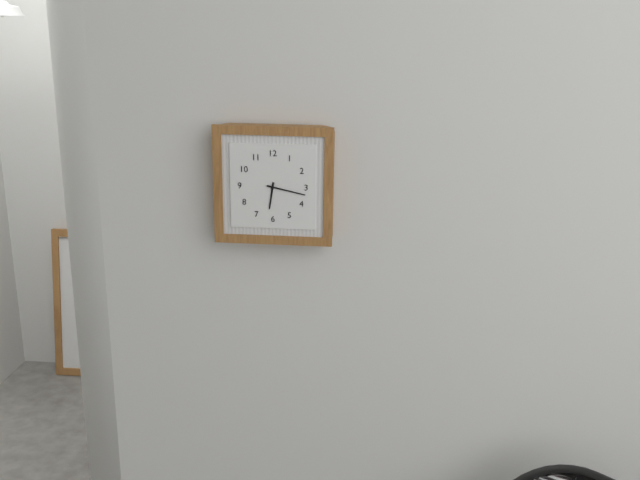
**6:17**
